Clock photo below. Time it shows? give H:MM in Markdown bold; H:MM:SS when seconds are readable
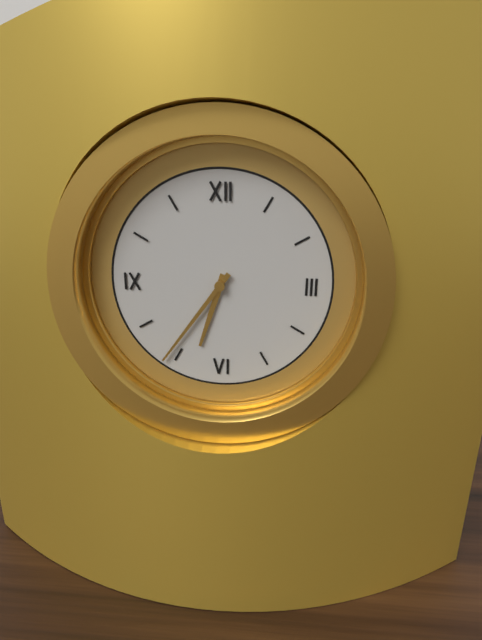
**6:36**
